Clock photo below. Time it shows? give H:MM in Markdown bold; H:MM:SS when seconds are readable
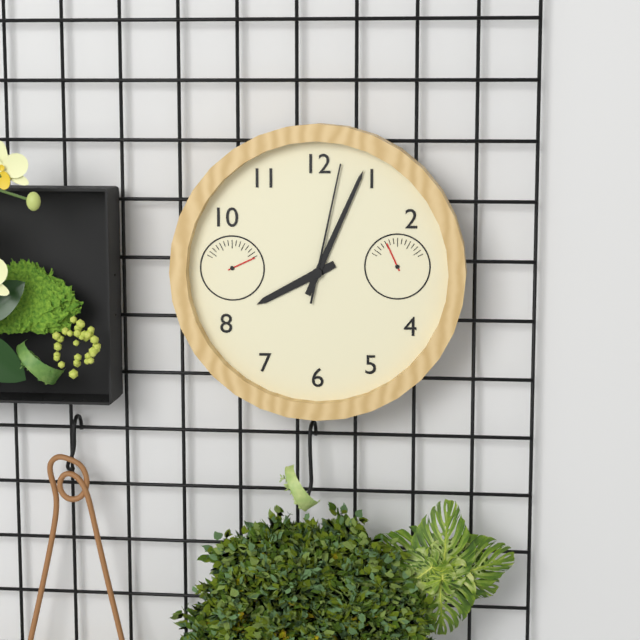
**8:04:02**
